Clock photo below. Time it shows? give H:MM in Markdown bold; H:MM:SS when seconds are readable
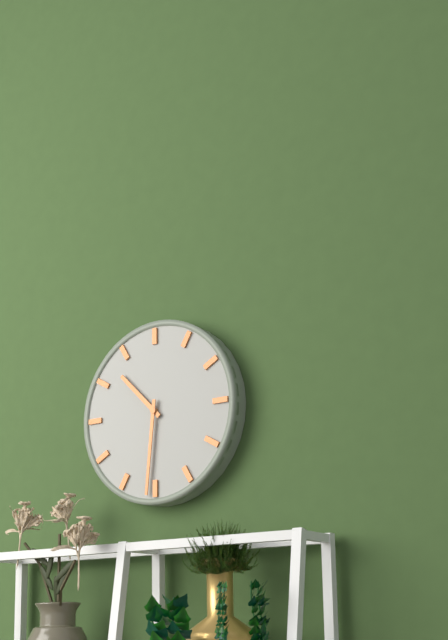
**10:31**
